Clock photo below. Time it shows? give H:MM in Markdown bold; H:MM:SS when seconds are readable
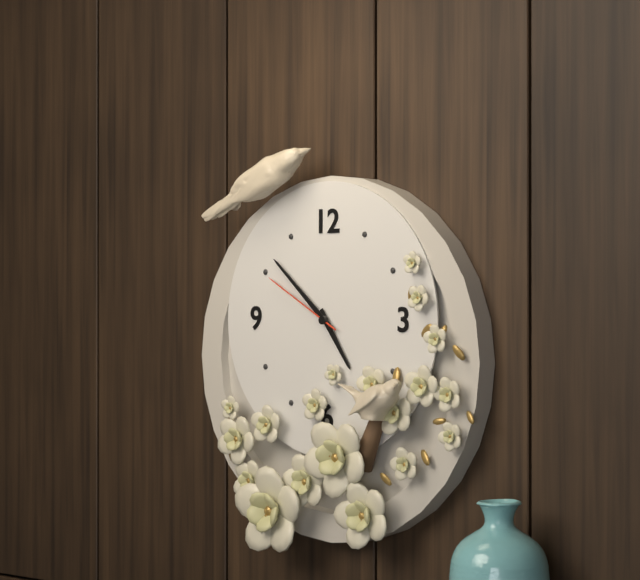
**4:52:50**
